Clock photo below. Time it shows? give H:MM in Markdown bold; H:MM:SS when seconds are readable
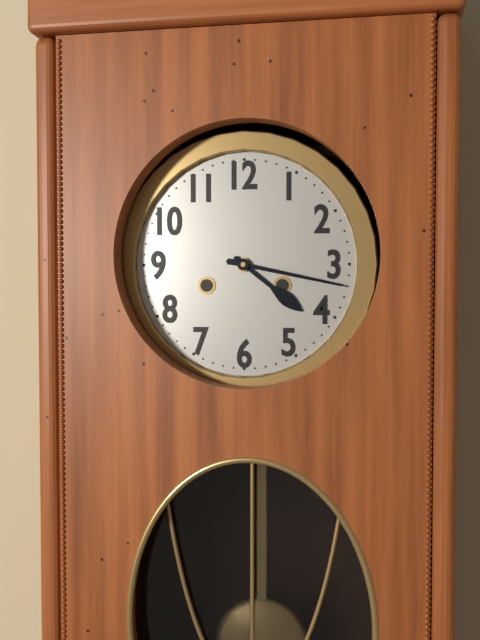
**4:17**
